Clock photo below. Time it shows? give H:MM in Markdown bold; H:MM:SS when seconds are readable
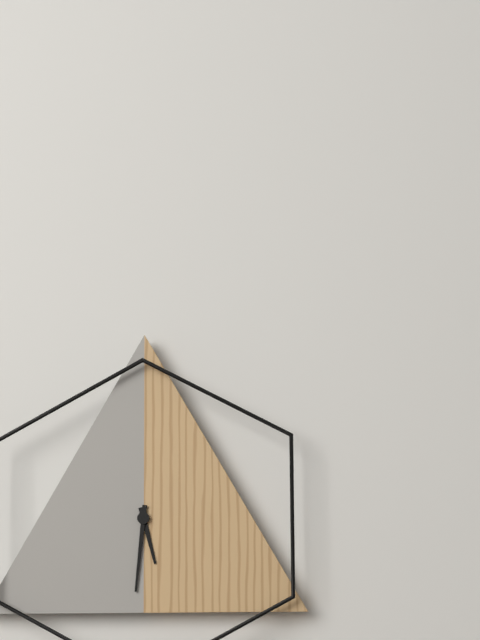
**5:31**
